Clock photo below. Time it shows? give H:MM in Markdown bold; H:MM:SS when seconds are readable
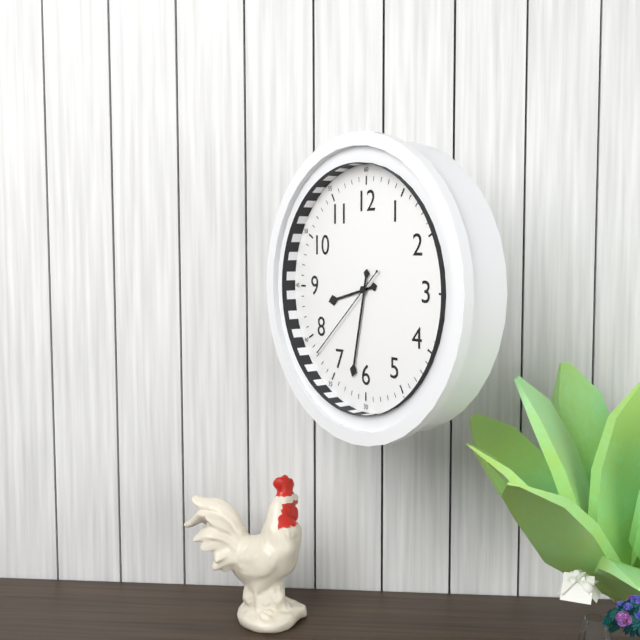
**8:32:38**
